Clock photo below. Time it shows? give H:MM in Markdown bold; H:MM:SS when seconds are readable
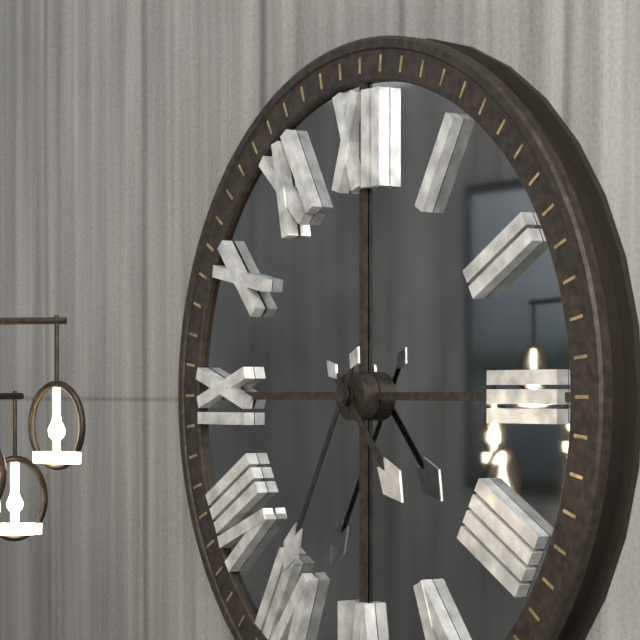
**4:35**
